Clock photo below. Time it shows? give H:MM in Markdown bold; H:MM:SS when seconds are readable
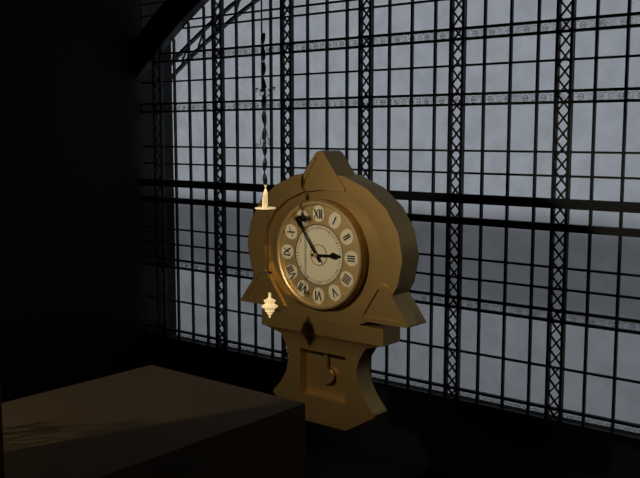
**2:54**
